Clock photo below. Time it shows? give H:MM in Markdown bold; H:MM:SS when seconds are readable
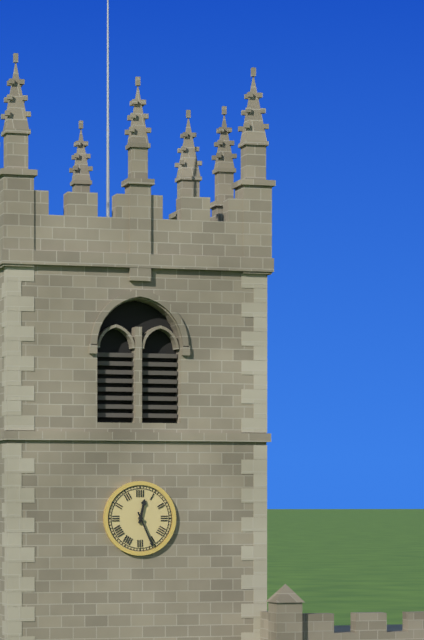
**12:26**
